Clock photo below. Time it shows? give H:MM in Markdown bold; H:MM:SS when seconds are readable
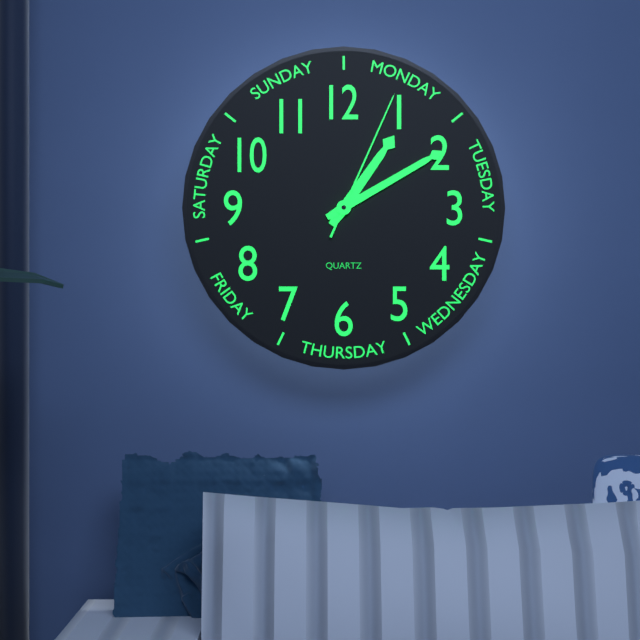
**1:10:04**
